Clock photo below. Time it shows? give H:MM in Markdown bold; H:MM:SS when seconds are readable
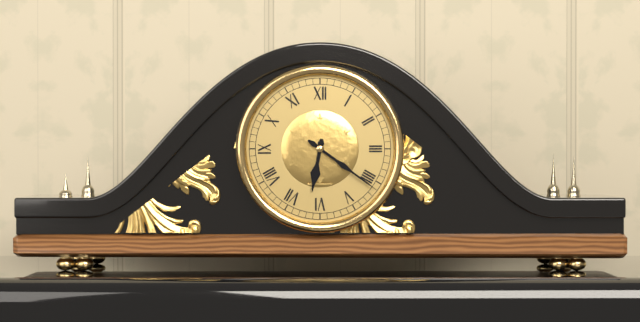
**6:21**
